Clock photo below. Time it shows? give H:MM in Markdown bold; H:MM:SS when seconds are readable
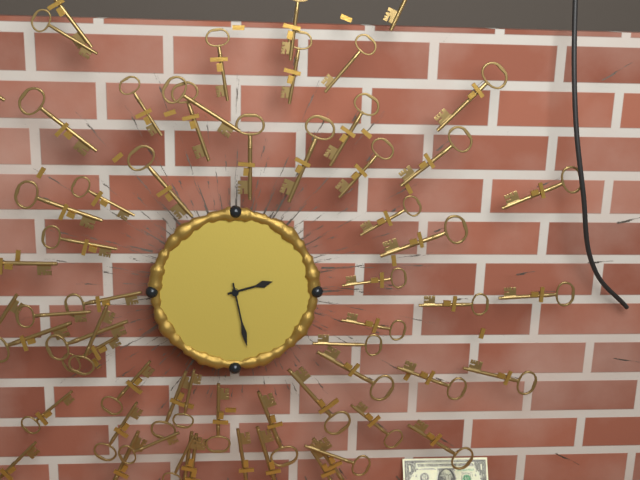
**2:28**
